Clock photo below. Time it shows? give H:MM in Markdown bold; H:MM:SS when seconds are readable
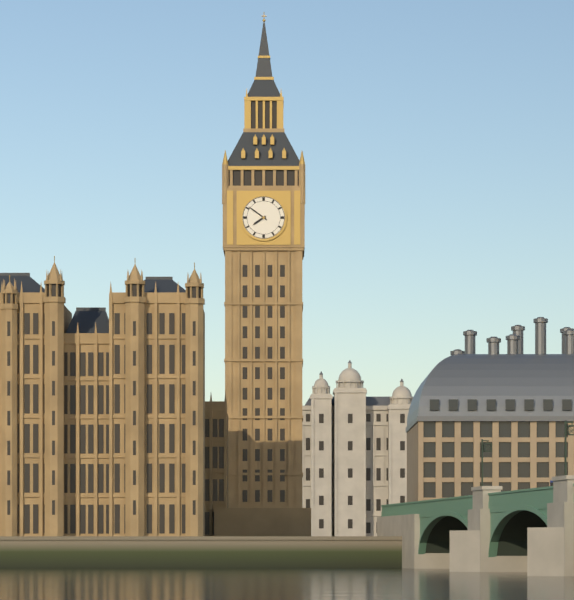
**7:51**
